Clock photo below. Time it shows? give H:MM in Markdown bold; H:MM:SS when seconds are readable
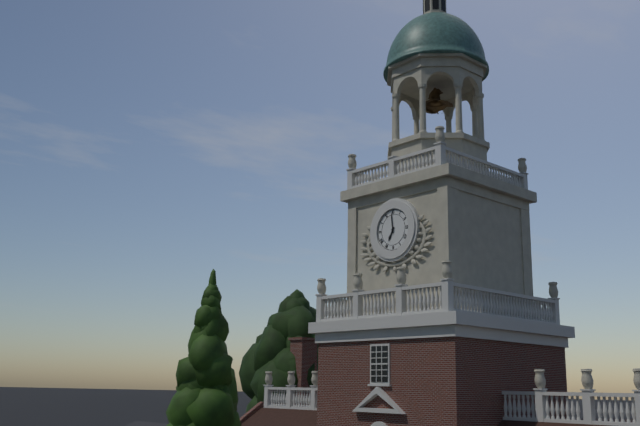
**6:59**
